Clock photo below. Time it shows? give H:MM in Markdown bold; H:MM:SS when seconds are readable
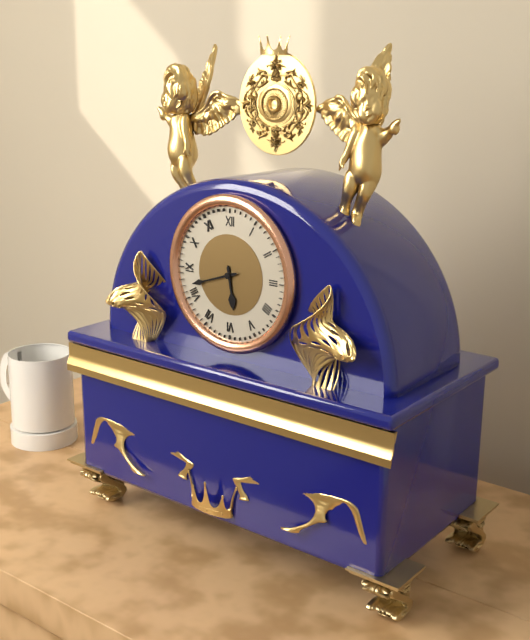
**5:42**
